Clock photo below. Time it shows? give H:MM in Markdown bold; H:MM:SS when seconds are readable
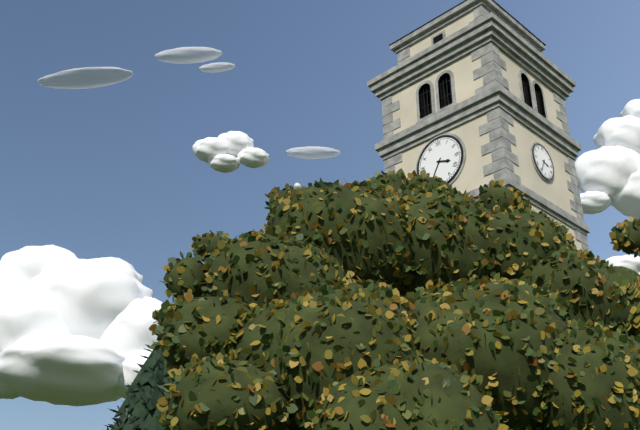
**3:35**
